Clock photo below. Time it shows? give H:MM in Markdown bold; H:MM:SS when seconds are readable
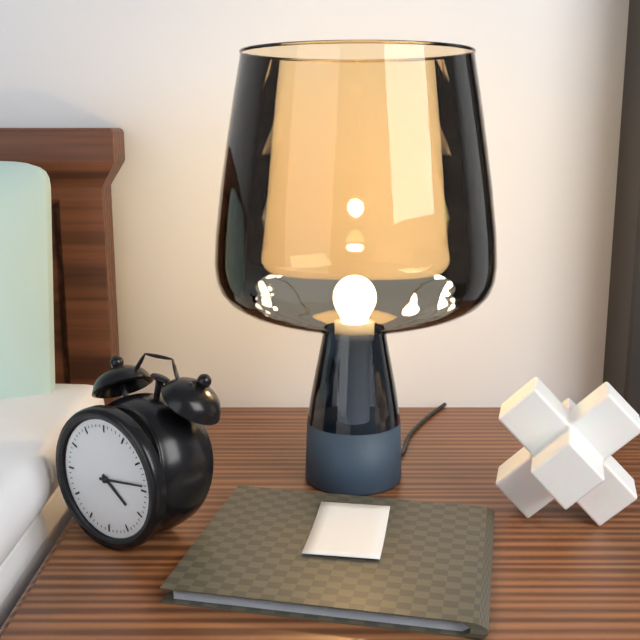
**4:14**
